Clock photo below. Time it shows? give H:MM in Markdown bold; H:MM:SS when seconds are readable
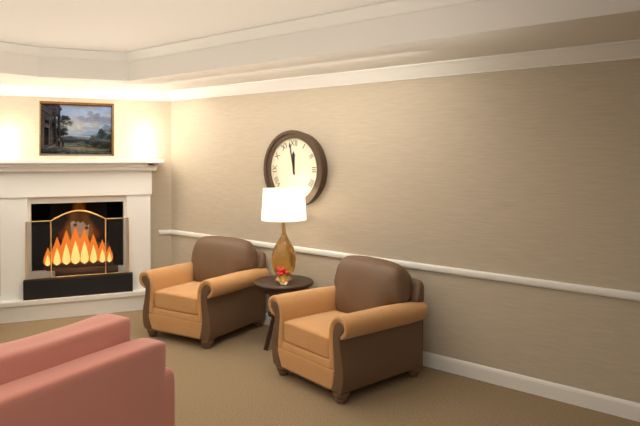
**11:58**
